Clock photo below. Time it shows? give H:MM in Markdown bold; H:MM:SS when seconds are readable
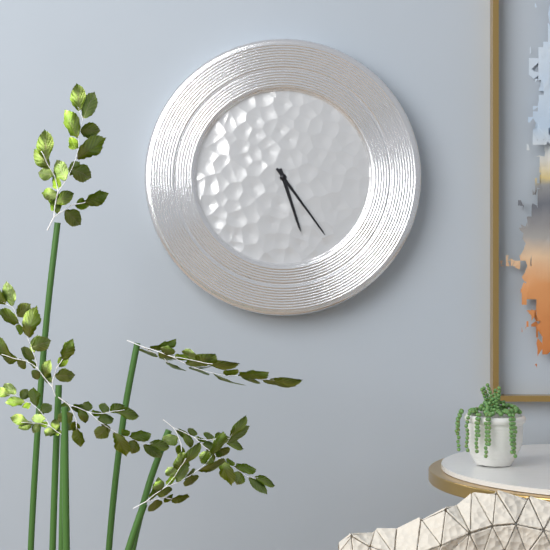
**5:24**
